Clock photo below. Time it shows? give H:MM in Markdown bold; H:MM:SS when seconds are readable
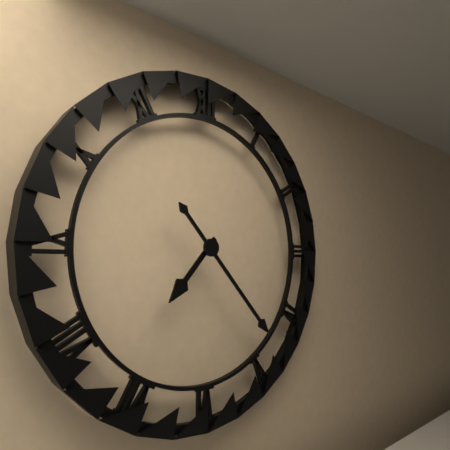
**7:23**
